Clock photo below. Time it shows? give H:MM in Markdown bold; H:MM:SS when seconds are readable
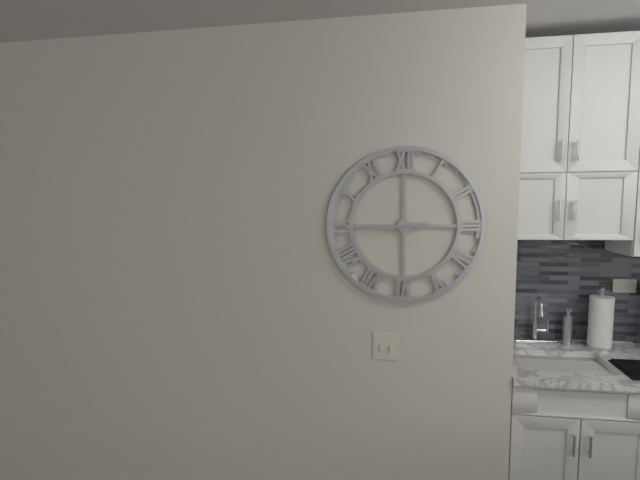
**8:44**
